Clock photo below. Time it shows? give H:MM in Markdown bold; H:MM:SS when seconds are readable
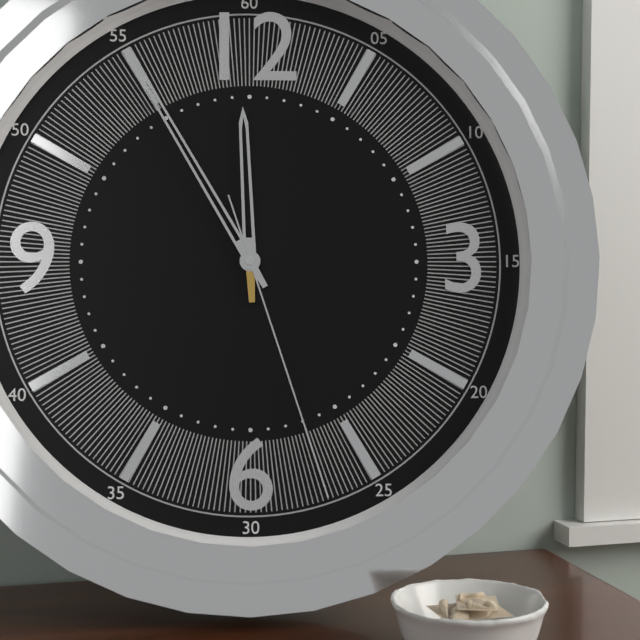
**11:55:27**
